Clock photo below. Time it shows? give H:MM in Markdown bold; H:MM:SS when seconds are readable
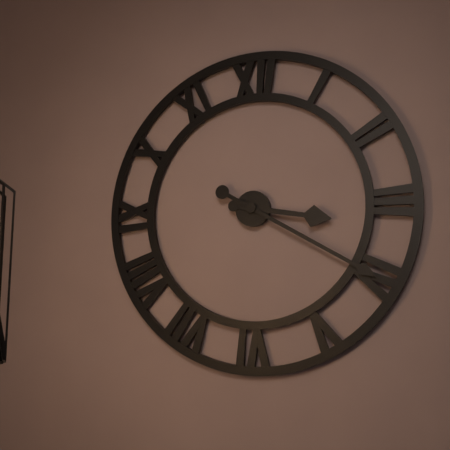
**3:20**
